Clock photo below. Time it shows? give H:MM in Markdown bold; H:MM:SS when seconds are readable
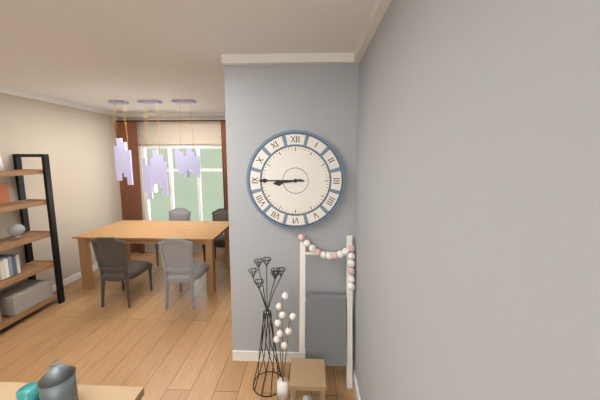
**8:45**
